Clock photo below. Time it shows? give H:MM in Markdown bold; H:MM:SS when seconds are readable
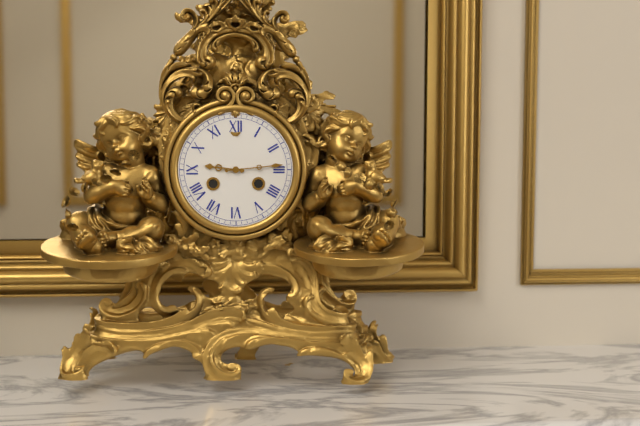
**9:14**
